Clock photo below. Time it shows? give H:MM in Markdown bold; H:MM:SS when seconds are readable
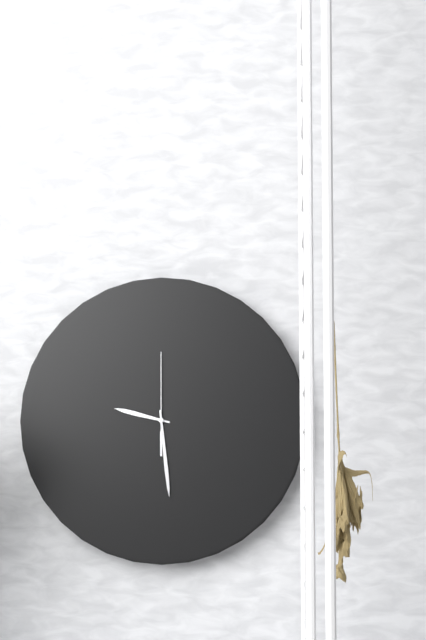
**9:29:00**
